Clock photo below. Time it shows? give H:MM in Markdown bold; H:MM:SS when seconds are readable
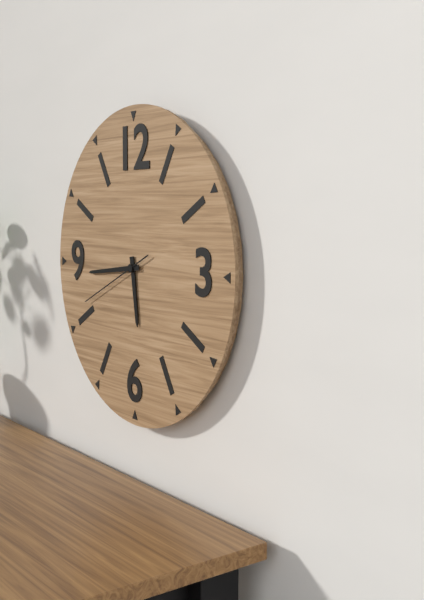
**5:44:41**
